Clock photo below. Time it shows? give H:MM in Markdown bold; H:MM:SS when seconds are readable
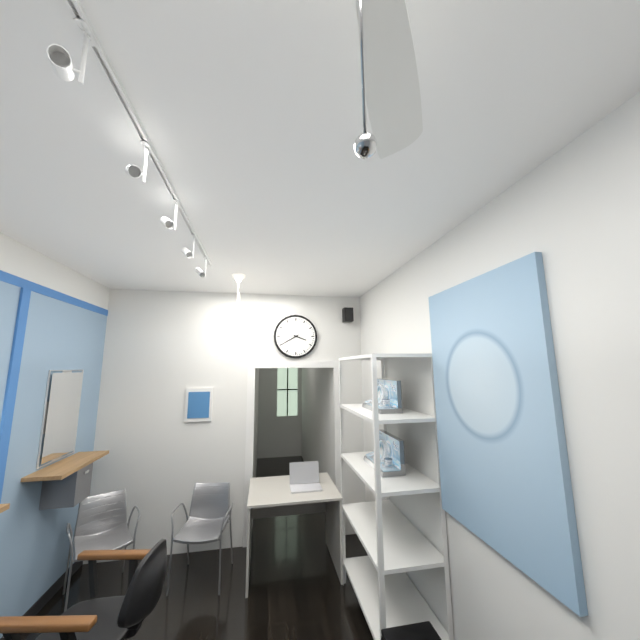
**3:40**
